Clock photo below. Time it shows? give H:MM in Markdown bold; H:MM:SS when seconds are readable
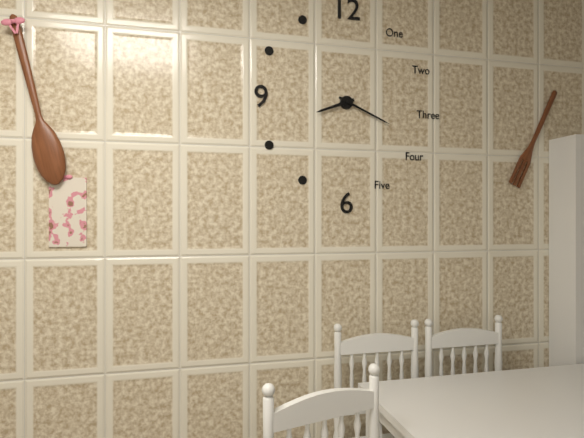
**8:19**
